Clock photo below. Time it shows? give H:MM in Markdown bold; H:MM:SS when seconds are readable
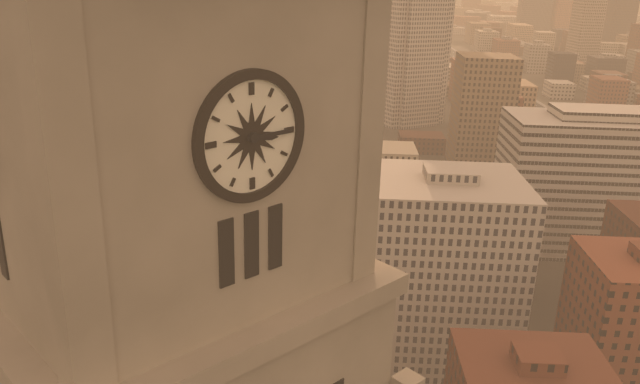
**3:15**
